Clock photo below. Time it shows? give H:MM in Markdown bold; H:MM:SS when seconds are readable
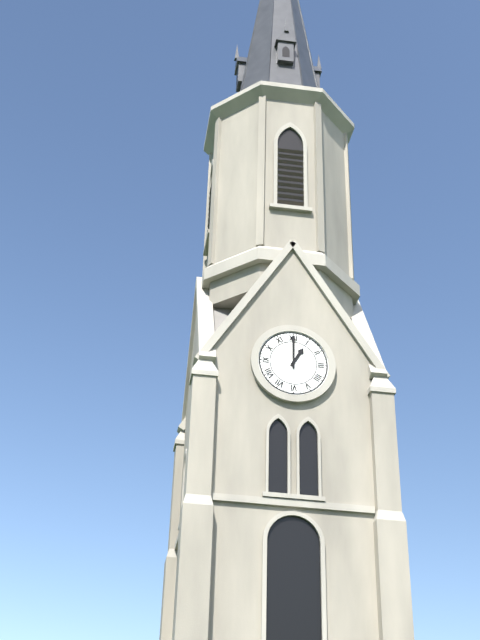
**1:00**
